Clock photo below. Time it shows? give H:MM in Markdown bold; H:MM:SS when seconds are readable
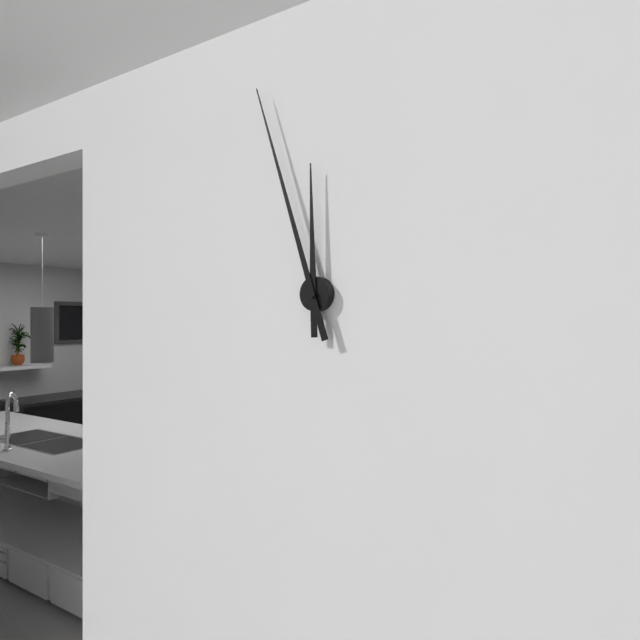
**11:57**
